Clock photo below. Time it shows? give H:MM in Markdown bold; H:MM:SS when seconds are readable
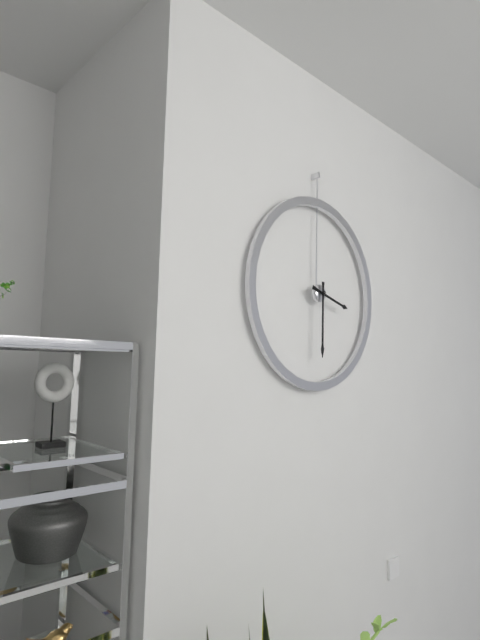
**3:30**
